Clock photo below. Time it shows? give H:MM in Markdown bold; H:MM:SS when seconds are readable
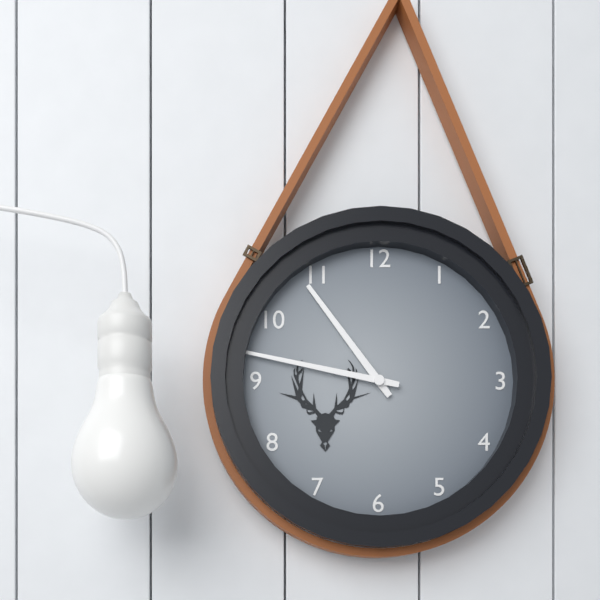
**10:47**
